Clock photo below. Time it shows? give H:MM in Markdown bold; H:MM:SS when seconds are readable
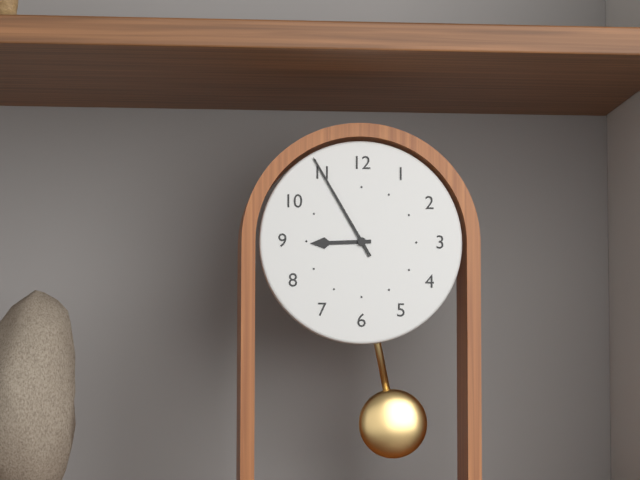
**8:55**
